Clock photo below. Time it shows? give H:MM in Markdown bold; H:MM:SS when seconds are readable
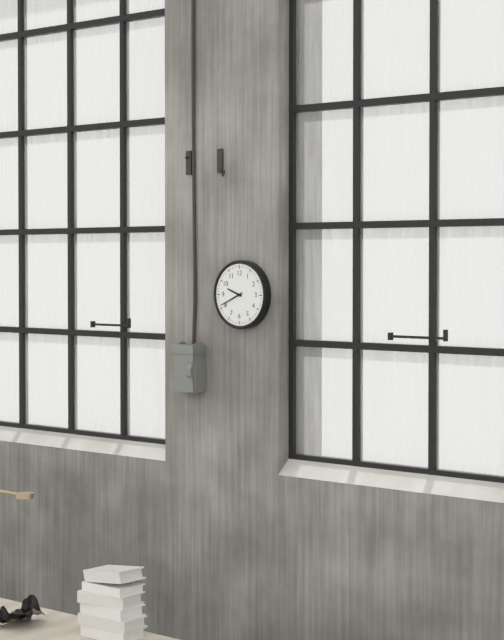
**9:41**
